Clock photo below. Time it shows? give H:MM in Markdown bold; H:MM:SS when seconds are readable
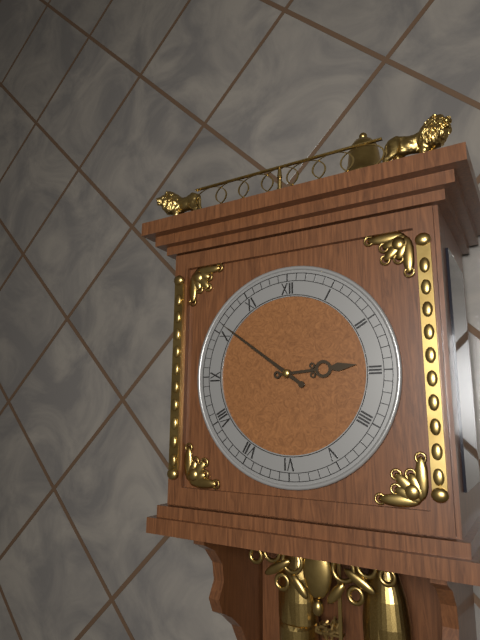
**2:51**
